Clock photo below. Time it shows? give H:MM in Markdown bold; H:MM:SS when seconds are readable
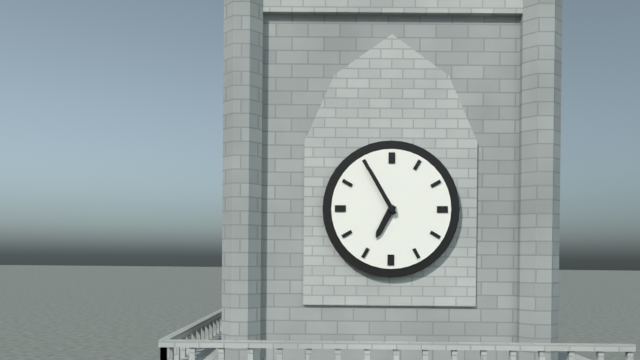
**6:55**
